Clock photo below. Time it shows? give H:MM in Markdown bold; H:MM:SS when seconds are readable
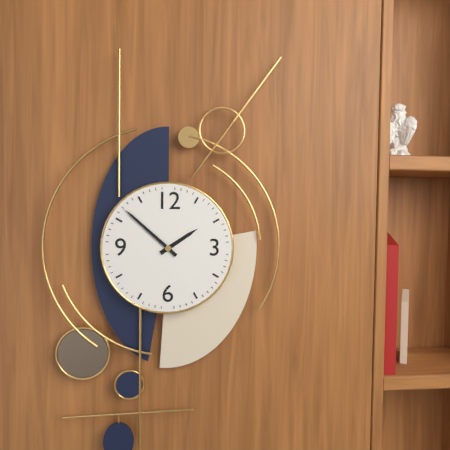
**1:52**
